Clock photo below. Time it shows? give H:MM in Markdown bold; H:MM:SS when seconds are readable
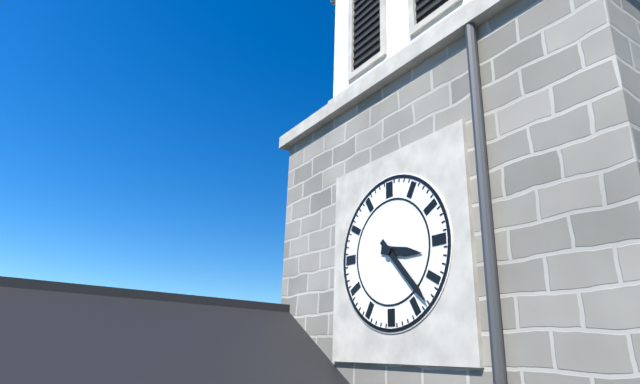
**3:23**
